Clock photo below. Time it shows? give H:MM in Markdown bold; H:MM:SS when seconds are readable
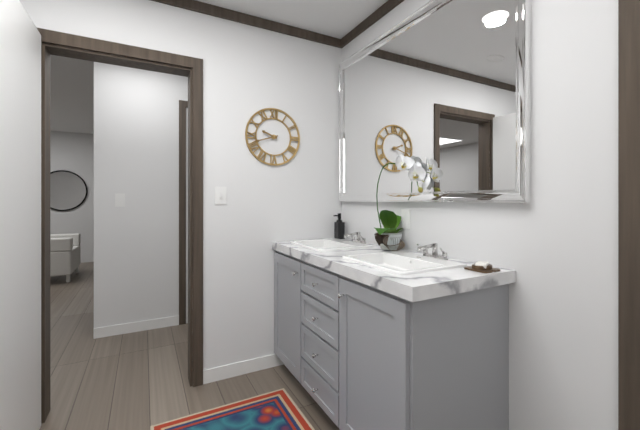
**9:42**
